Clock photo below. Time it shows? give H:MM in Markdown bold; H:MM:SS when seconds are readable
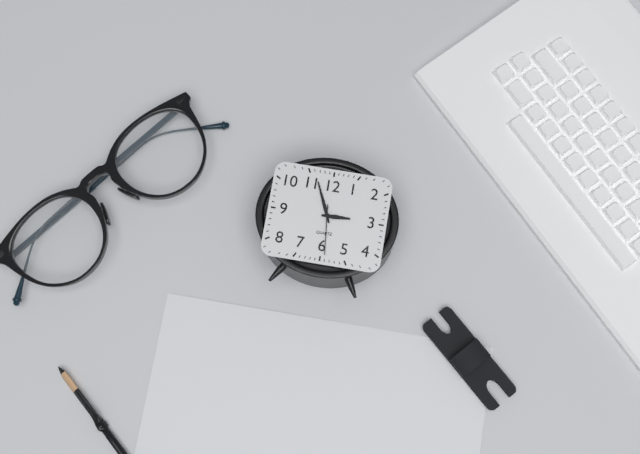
**2:56**
